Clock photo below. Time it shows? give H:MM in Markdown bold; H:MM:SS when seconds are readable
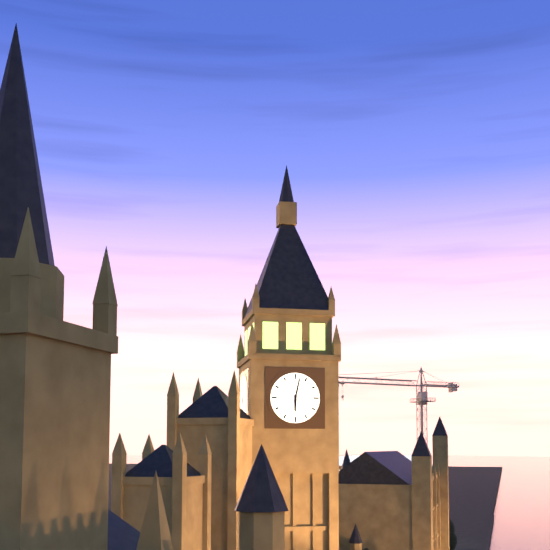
**6:02**
